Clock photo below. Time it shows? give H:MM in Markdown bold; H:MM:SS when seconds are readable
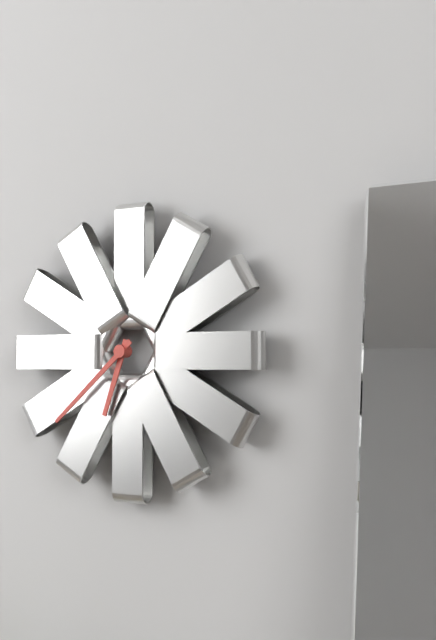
**6:38**
